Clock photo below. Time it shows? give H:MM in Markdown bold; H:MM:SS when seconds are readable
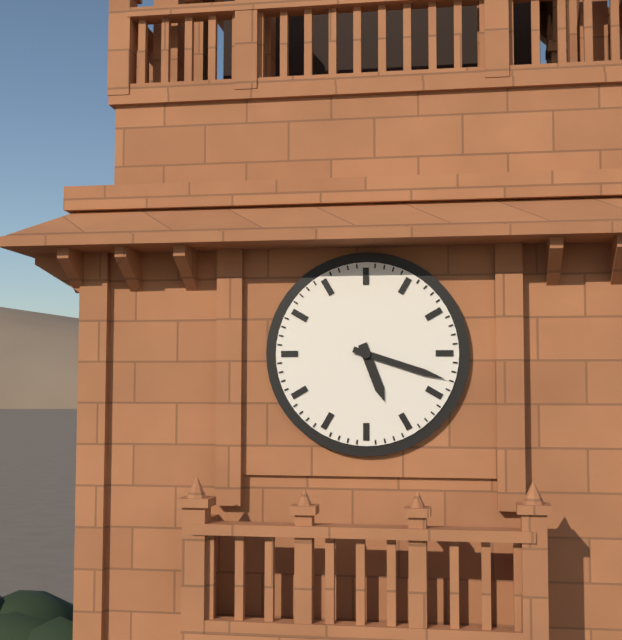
**5:18**
